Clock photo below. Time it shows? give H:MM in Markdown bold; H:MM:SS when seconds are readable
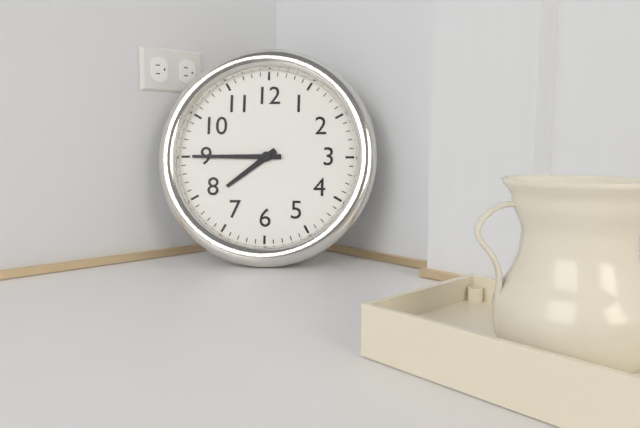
**7:45**
